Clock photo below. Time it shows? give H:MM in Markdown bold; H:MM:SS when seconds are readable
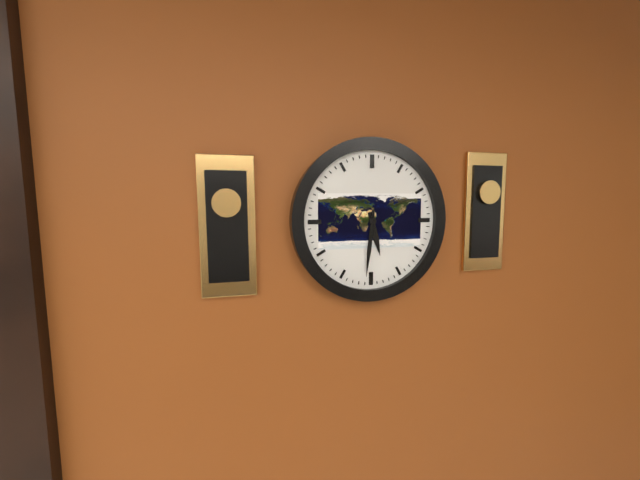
**5:31**
